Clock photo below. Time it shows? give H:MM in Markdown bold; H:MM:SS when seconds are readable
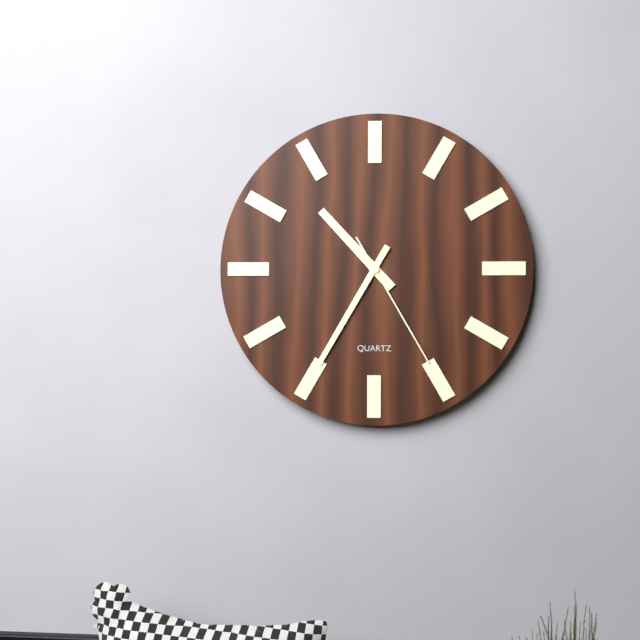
**10:35:25**
